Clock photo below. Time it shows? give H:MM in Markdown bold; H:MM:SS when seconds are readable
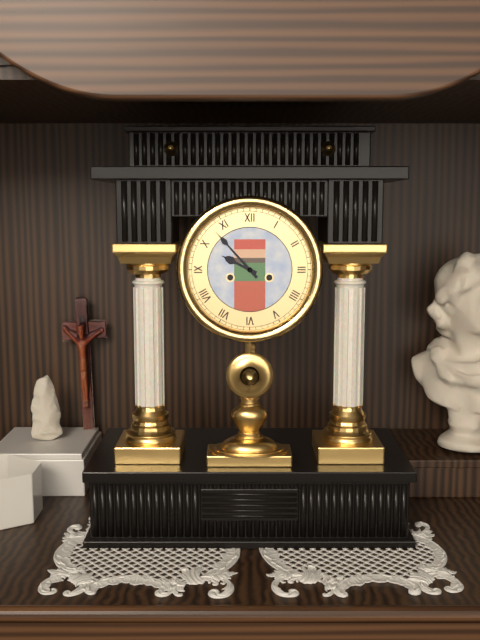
**9:53**
